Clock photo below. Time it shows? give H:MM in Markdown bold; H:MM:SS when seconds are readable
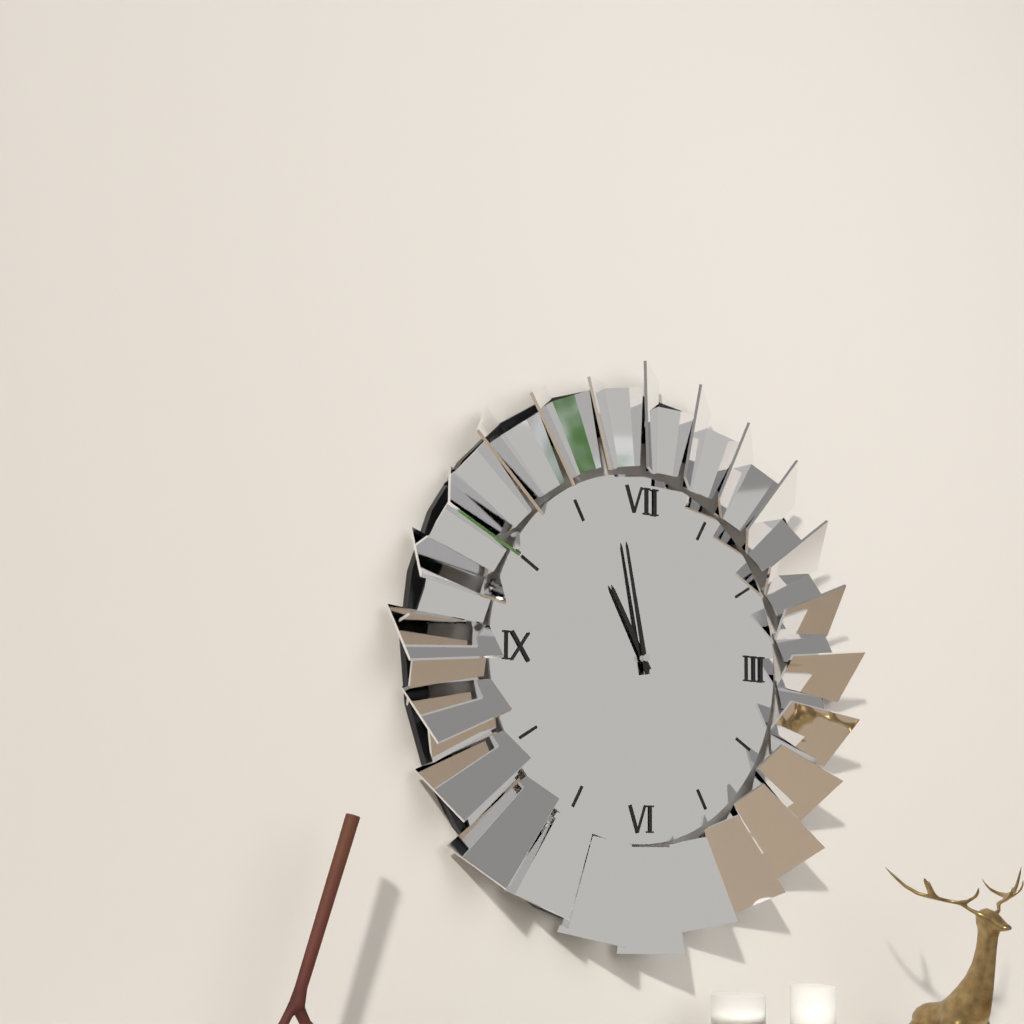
**10:58**
